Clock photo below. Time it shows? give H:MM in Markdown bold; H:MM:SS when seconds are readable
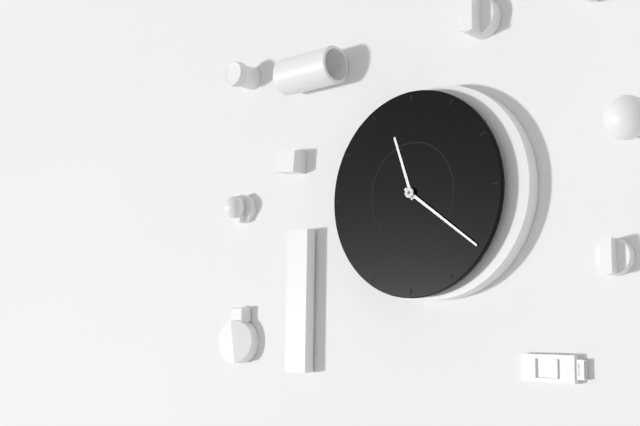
**11:21**
